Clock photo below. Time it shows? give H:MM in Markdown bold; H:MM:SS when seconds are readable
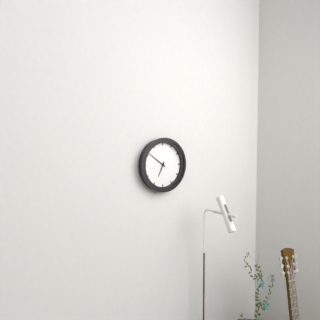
**6:51**
